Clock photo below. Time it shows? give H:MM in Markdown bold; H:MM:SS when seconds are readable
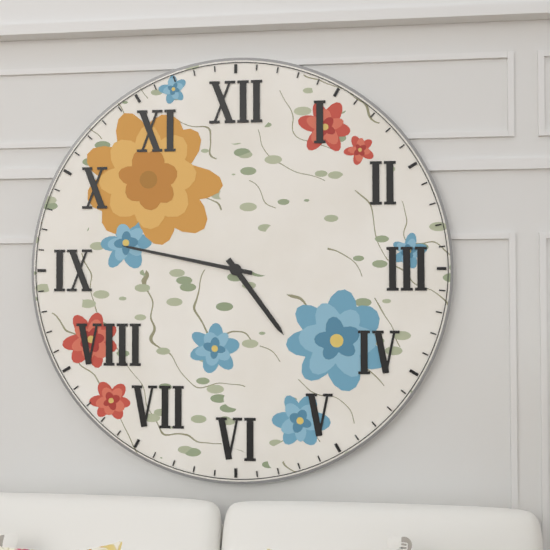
**4:47**
